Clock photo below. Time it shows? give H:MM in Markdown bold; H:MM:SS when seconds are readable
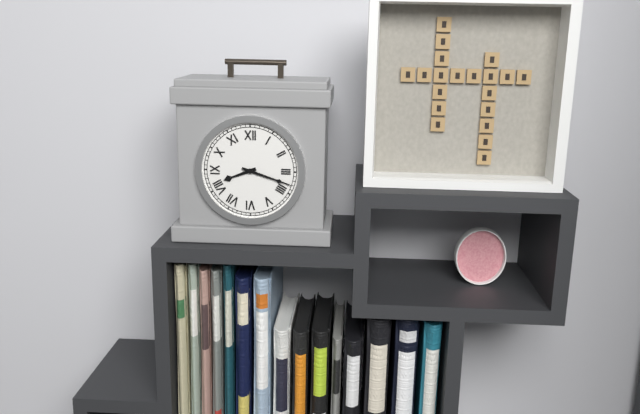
**8:18**
